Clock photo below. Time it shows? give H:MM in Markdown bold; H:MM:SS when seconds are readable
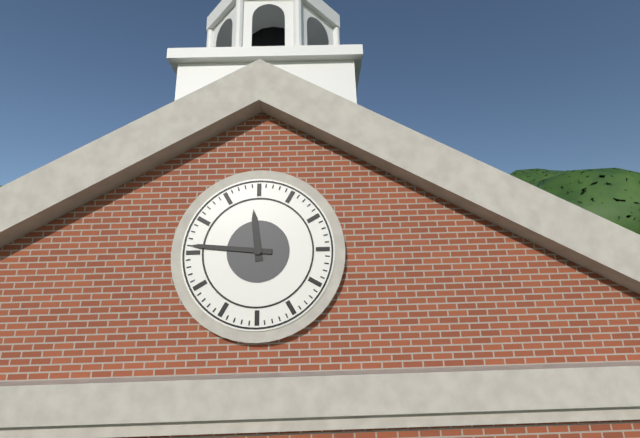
**11:46**
